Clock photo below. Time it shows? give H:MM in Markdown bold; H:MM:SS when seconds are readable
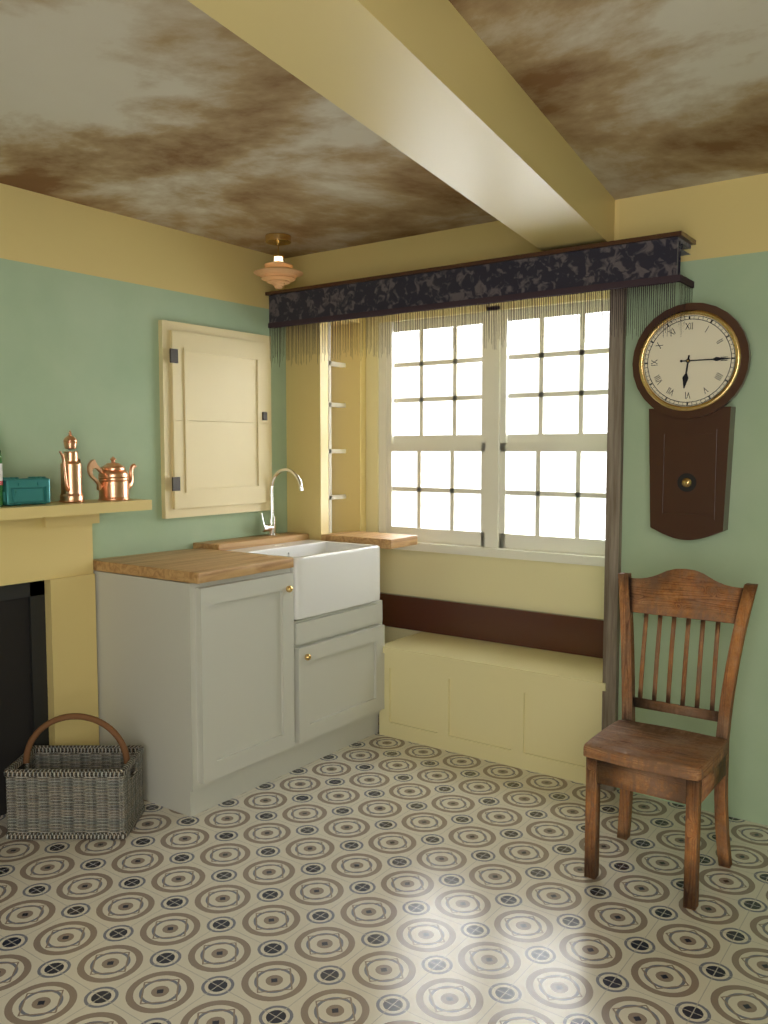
**6:15**
